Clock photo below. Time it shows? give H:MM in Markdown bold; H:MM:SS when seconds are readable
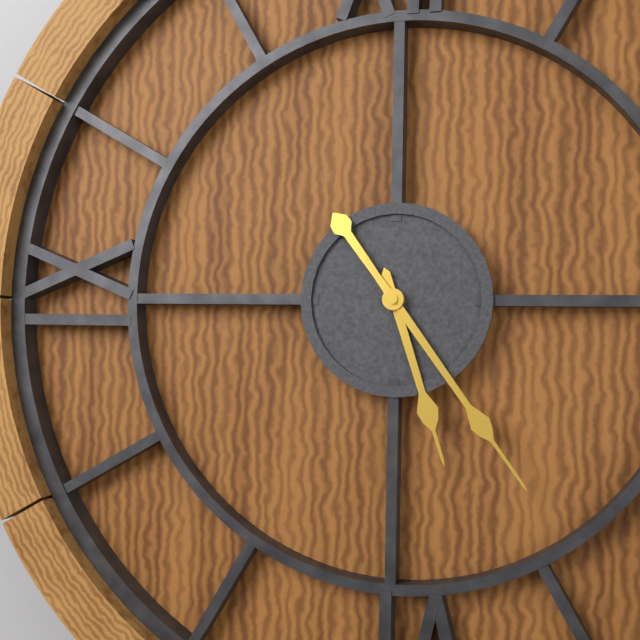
**5:24**
